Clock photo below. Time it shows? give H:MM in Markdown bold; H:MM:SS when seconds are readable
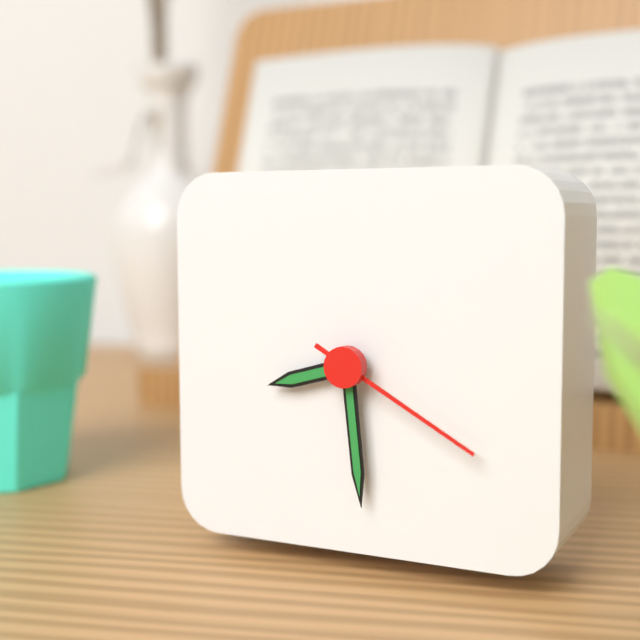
**8:29:20**
